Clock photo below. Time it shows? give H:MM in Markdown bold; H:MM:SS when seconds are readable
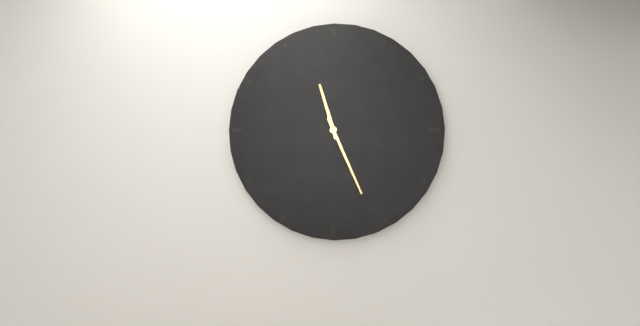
**11:26**
